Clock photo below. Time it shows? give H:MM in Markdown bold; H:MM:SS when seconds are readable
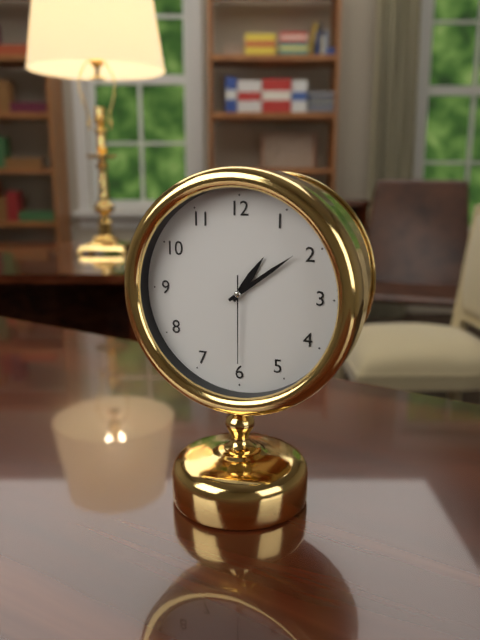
**1:09:30**
